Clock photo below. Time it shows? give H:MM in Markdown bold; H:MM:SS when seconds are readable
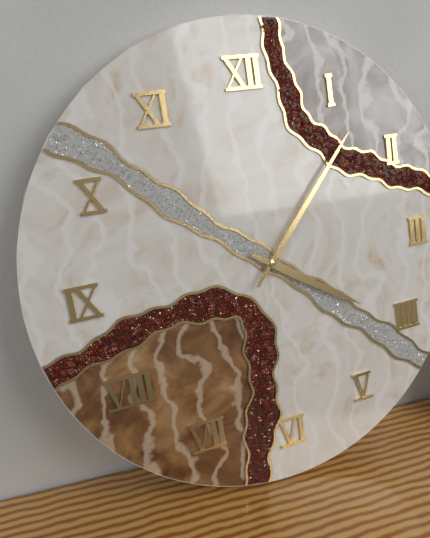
**4:07**
